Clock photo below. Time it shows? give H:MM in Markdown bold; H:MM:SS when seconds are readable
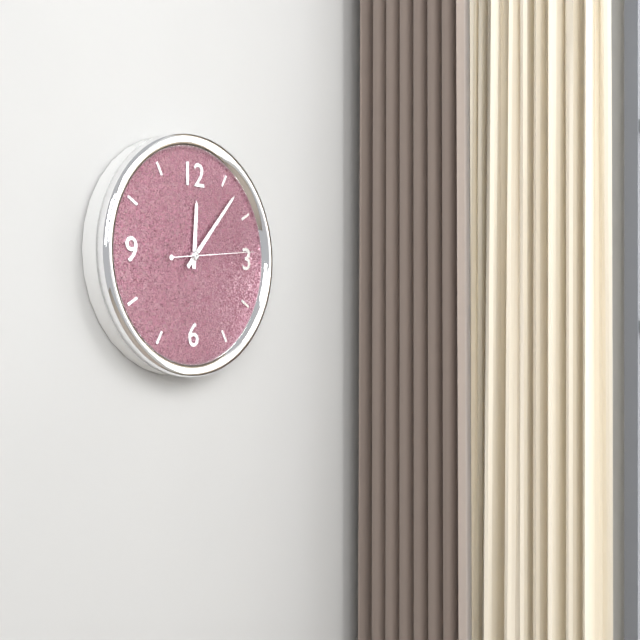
**12:07:14**
